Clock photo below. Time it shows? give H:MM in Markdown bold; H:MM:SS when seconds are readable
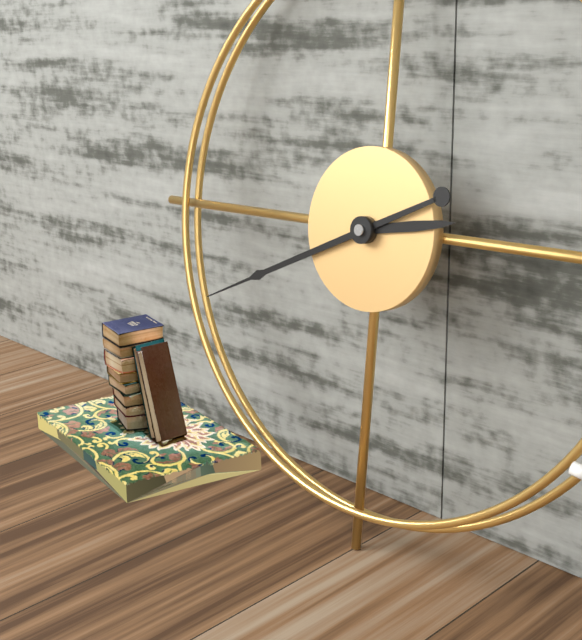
**2:41**
